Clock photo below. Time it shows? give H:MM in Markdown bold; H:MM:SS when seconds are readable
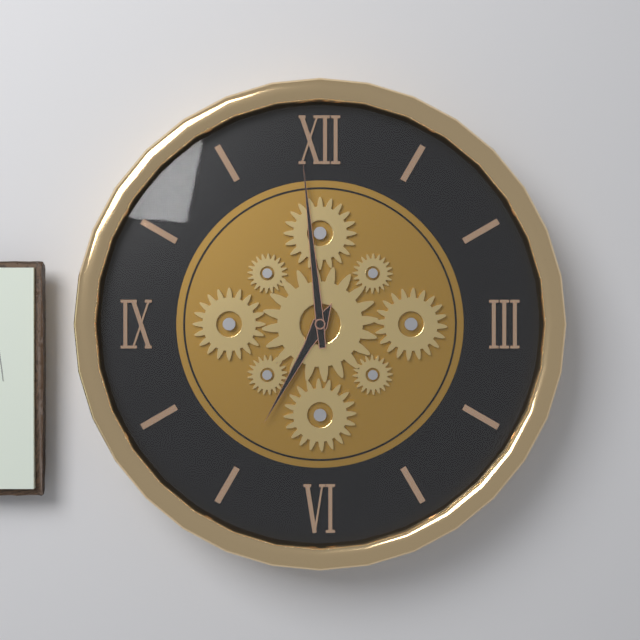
**6:59**
